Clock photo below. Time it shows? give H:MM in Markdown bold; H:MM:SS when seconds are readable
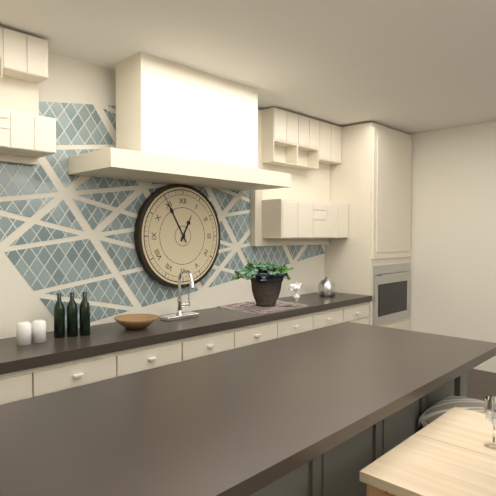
**12:55**
